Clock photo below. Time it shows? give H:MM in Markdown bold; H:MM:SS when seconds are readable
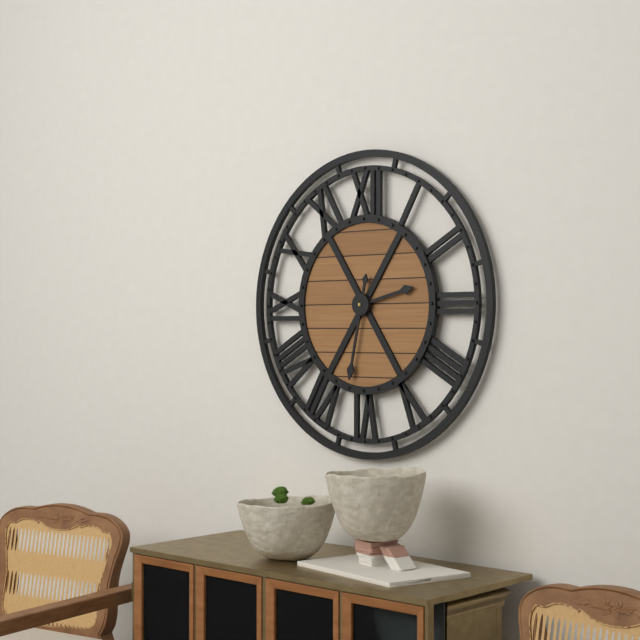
**2:32**
